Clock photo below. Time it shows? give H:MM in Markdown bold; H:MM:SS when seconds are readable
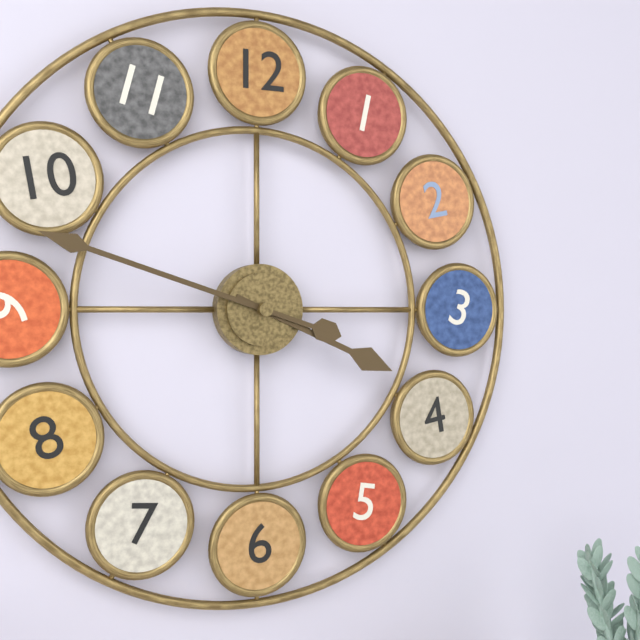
**3:48**
